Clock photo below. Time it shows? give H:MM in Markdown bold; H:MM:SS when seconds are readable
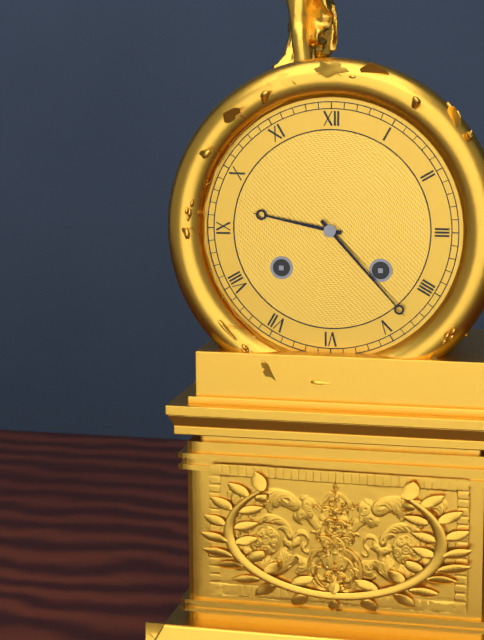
**9:23**
